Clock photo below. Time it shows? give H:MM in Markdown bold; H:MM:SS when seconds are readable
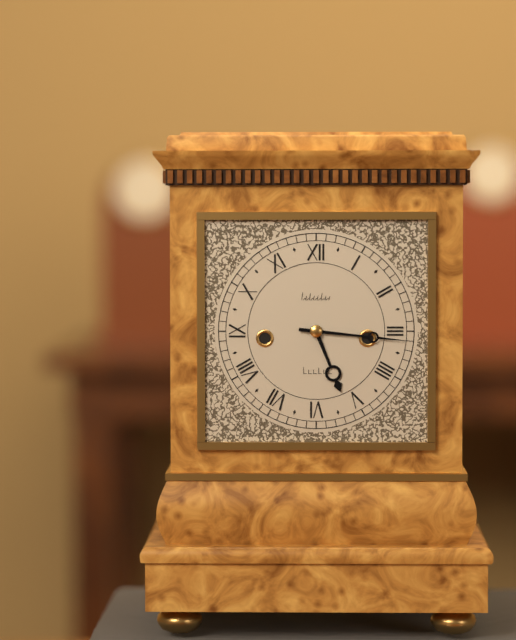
**5:16**
